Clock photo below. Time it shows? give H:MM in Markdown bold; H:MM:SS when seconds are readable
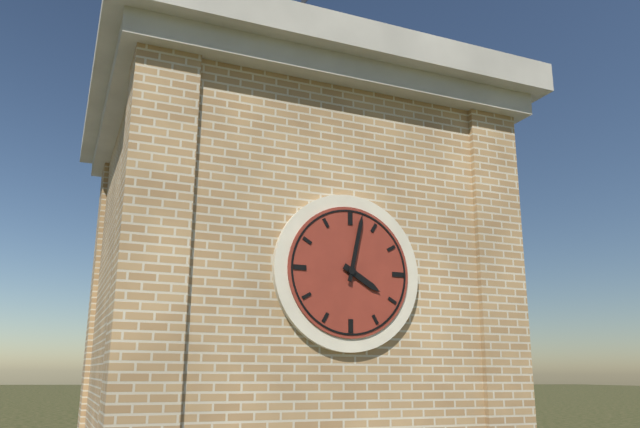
**4:02**
